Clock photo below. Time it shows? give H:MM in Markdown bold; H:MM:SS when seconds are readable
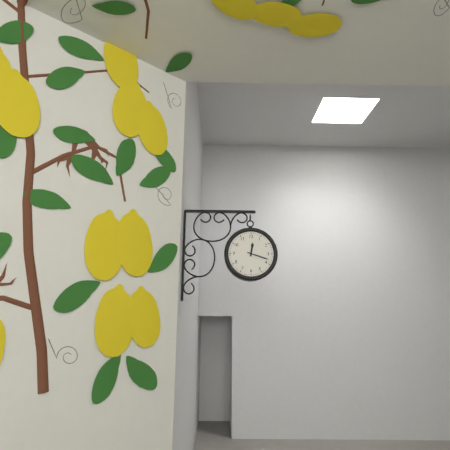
**12:18**
